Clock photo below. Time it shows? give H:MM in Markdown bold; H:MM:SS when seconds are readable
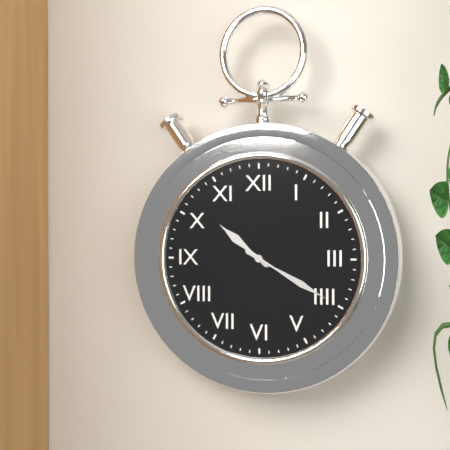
**10:20**
